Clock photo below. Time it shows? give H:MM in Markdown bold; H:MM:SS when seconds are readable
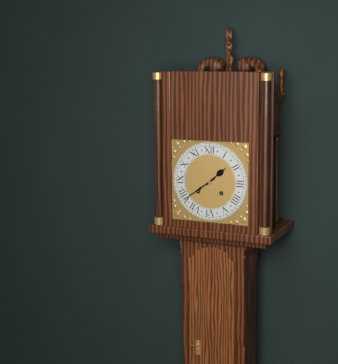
**1:39**
